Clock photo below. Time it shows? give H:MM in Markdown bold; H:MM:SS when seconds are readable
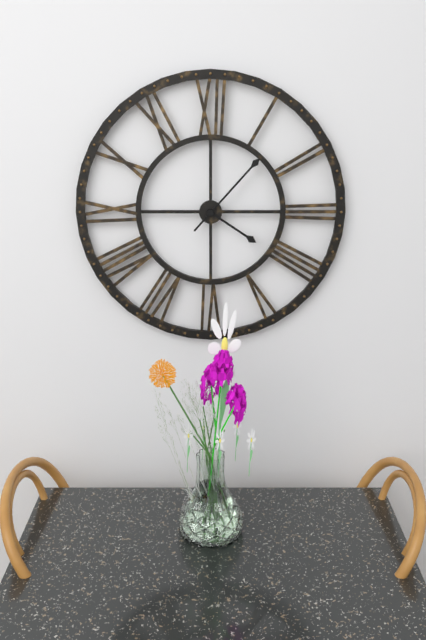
**4:07**
